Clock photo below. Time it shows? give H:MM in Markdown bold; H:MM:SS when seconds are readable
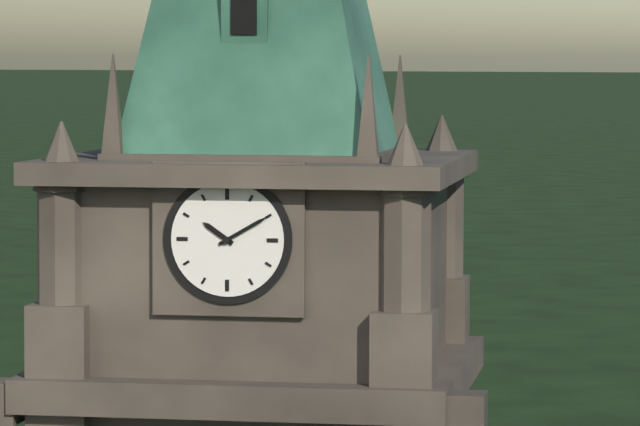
**10:10**
